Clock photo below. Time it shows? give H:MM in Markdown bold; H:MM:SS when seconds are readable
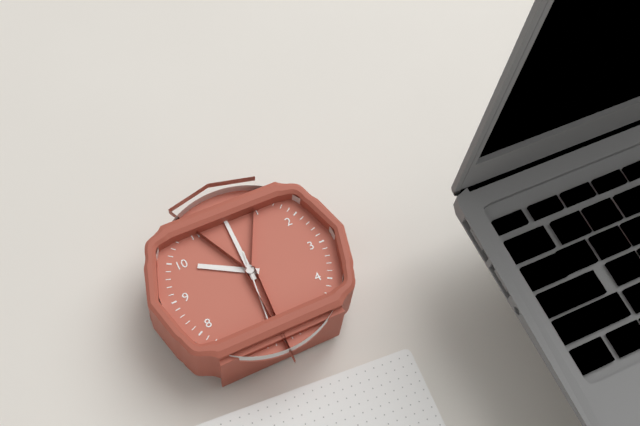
**10:00**
